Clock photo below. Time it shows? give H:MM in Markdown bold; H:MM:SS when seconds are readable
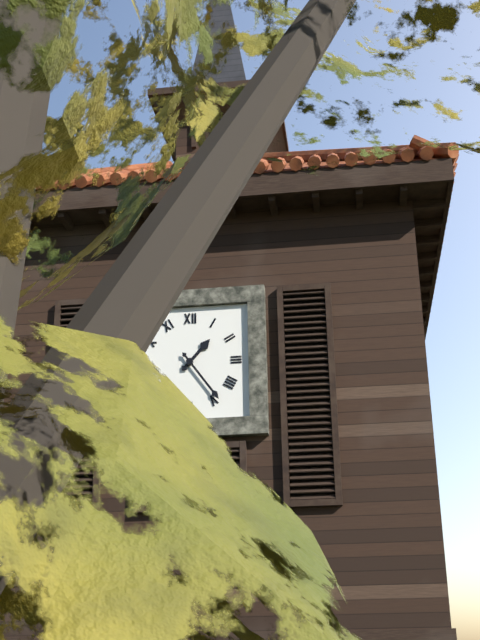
**1:24**
